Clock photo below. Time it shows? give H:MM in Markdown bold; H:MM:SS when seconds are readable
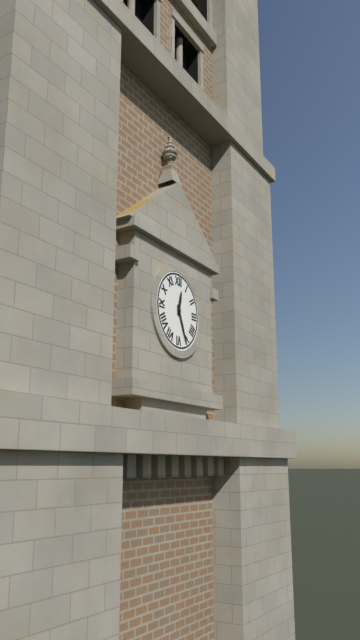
**12:26**
